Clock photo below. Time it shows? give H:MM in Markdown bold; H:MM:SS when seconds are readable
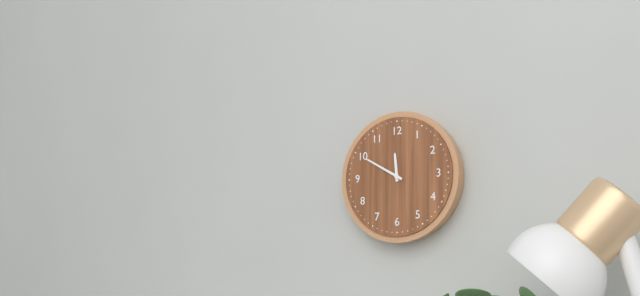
**11:50**
